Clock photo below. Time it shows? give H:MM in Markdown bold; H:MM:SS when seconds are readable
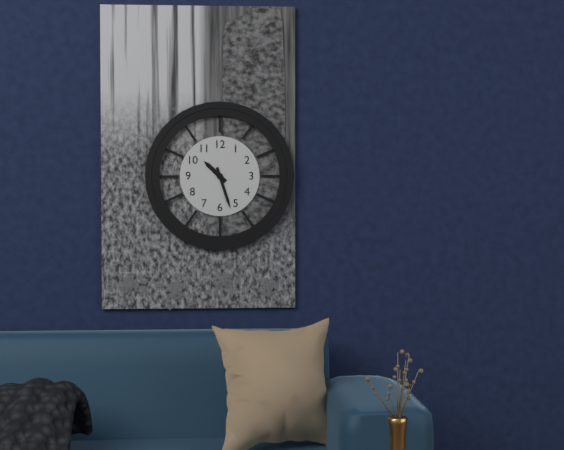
**10:27**
